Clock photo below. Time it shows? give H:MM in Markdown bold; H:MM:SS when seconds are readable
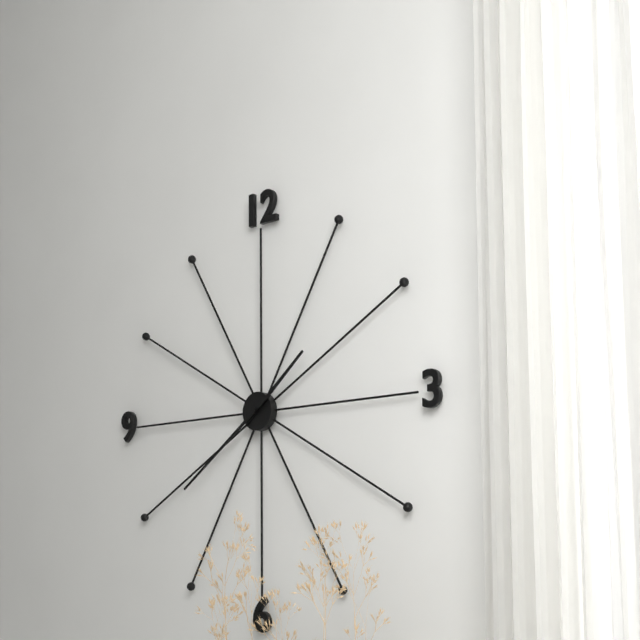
**1:39**
